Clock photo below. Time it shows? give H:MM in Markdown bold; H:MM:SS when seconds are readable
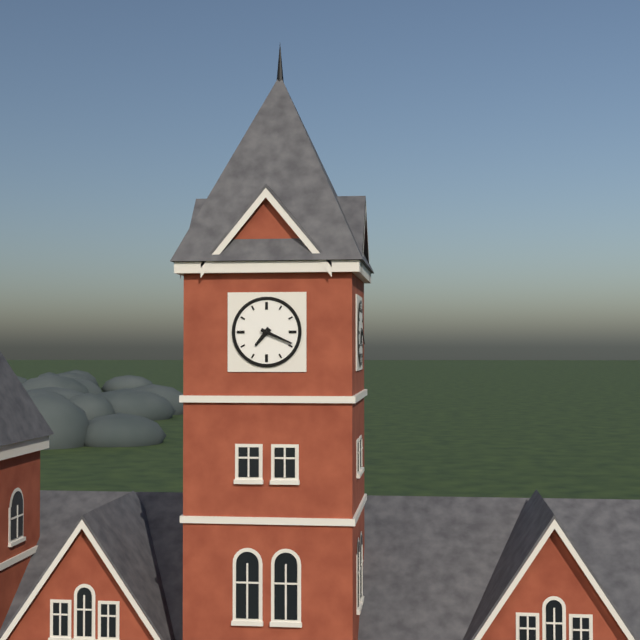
**7:19**
